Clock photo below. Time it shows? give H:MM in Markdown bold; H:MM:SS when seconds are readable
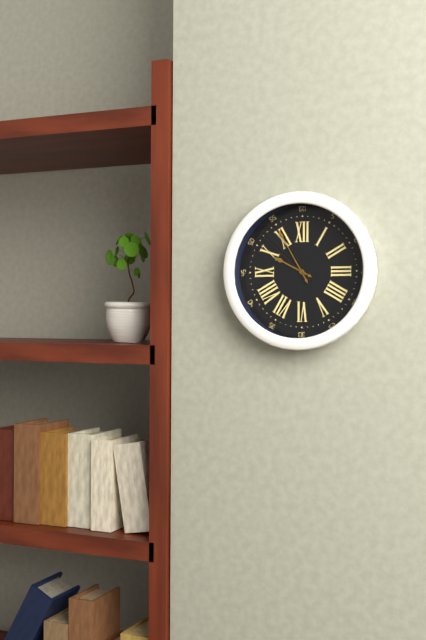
**9:55:52**
